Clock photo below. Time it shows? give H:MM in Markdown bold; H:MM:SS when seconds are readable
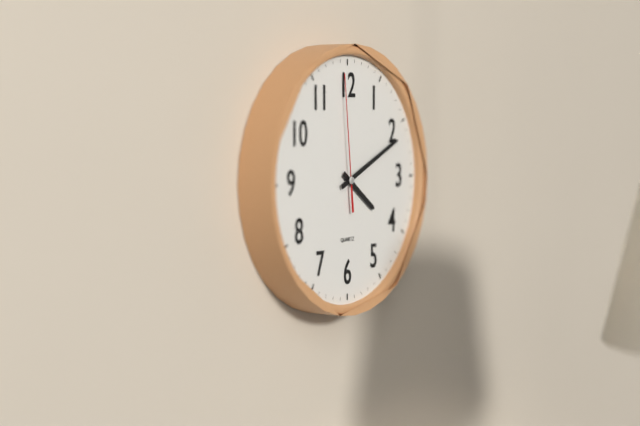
**4:11:59**
